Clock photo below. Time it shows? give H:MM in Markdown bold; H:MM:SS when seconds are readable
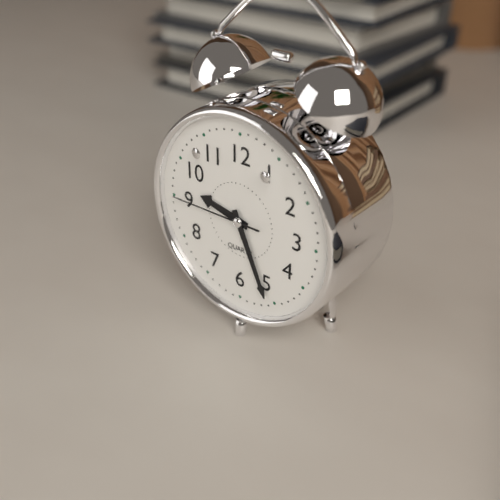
**9:26:45**
